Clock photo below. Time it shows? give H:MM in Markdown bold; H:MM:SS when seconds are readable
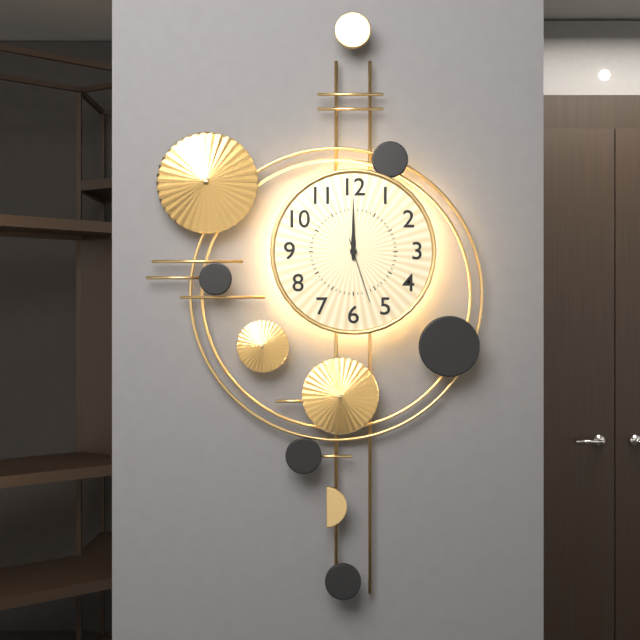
**12:00:27**
